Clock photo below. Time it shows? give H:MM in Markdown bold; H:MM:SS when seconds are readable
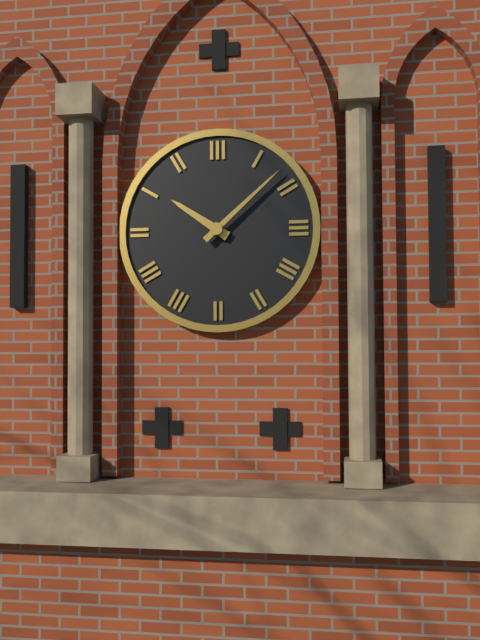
**10:08**
